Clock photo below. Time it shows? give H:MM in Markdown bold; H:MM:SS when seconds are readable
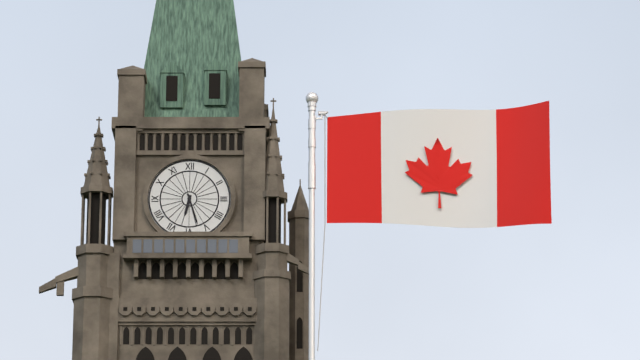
**6:27**
